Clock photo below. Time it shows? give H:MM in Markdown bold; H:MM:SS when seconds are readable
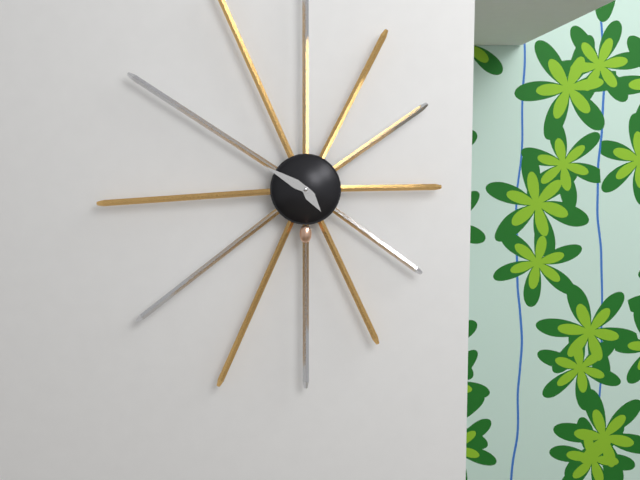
**4:50**
